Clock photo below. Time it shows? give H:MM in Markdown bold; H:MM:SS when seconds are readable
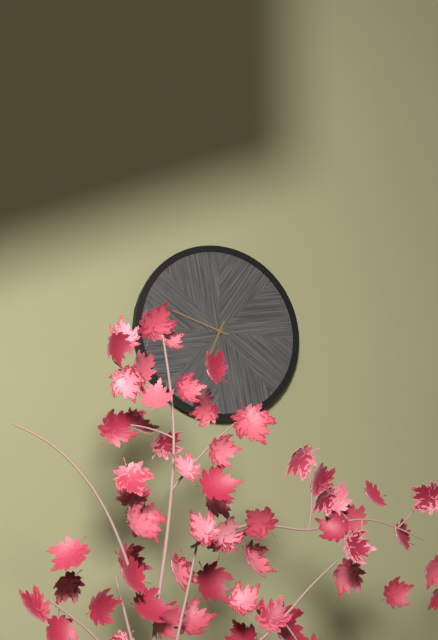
**6:48**
